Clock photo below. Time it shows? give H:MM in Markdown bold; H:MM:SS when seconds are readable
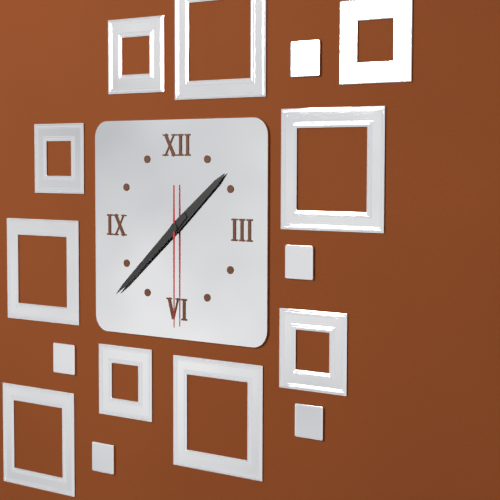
**1:38:30**
